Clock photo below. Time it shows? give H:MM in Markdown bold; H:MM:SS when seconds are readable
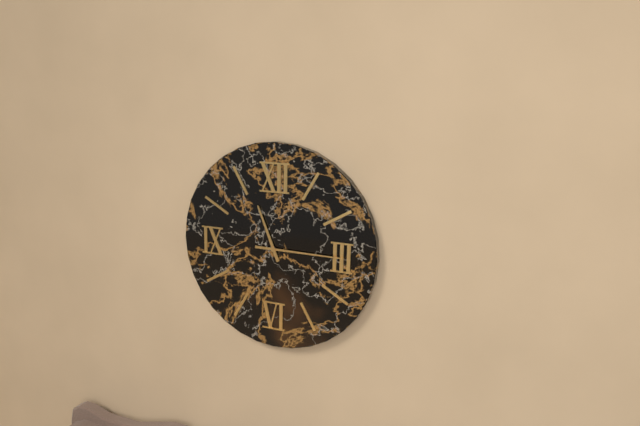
**11:15**
